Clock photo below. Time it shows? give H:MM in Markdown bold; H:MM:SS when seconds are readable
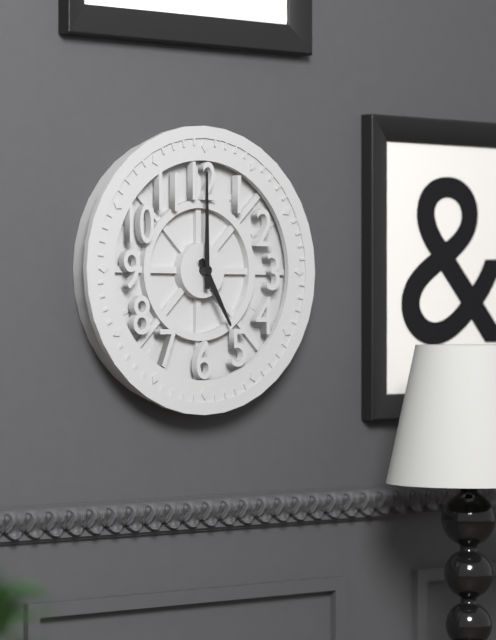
**5:00**
